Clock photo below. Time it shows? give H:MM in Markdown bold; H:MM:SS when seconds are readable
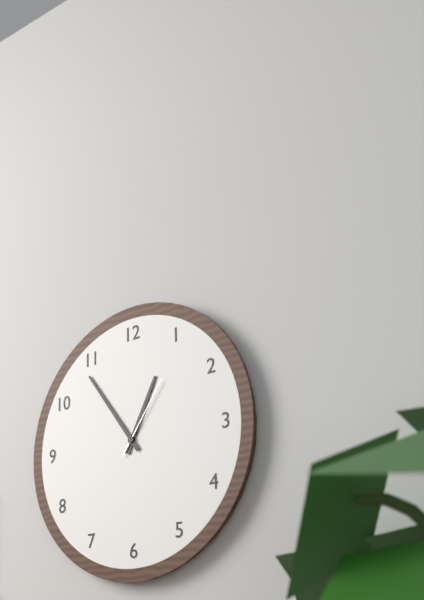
**12:54:06**
